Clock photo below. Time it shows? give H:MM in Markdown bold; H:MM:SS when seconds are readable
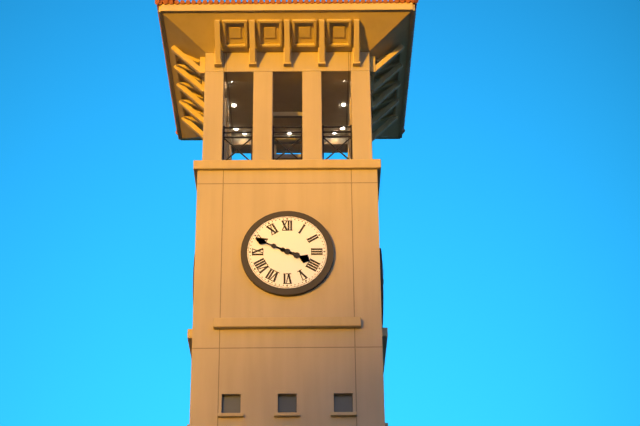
**3:49**
